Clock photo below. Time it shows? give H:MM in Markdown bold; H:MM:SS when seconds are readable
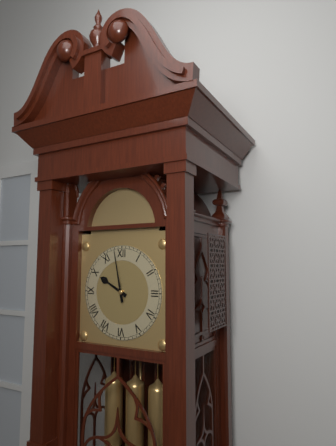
**9:58**
